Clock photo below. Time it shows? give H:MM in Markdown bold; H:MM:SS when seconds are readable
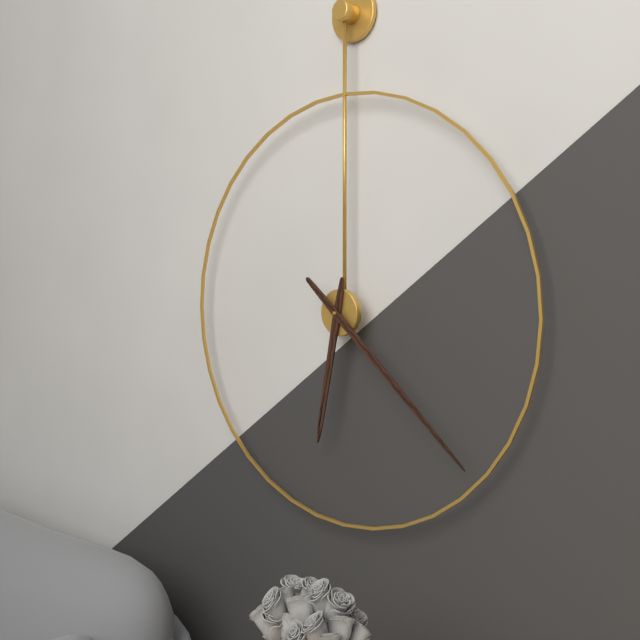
**6:22**
